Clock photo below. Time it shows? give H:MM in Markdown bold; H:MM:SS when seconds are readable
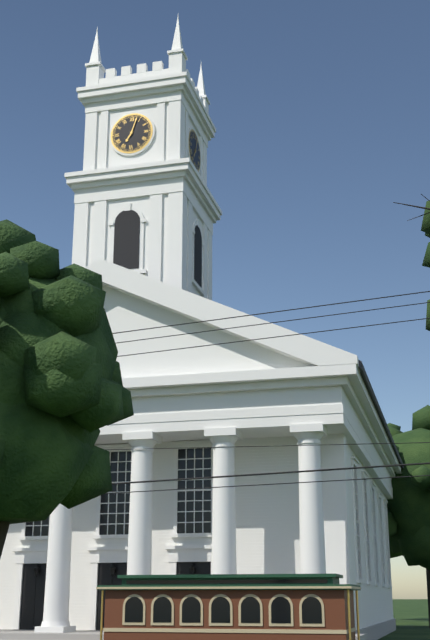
**7:03**
